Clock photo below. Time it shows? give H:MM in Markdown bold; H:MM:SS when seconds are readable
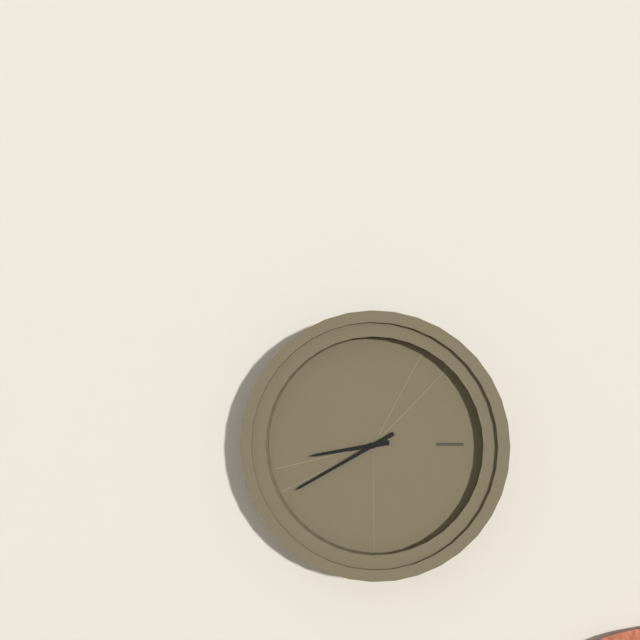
**8:40**
